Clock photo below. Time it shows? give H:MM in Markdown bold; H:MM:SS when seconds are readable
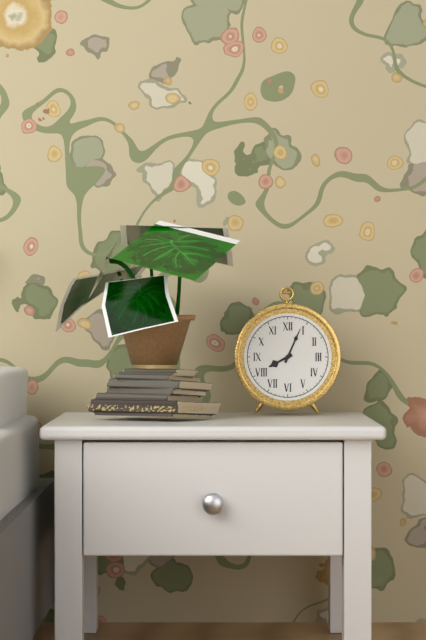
**8:04**
